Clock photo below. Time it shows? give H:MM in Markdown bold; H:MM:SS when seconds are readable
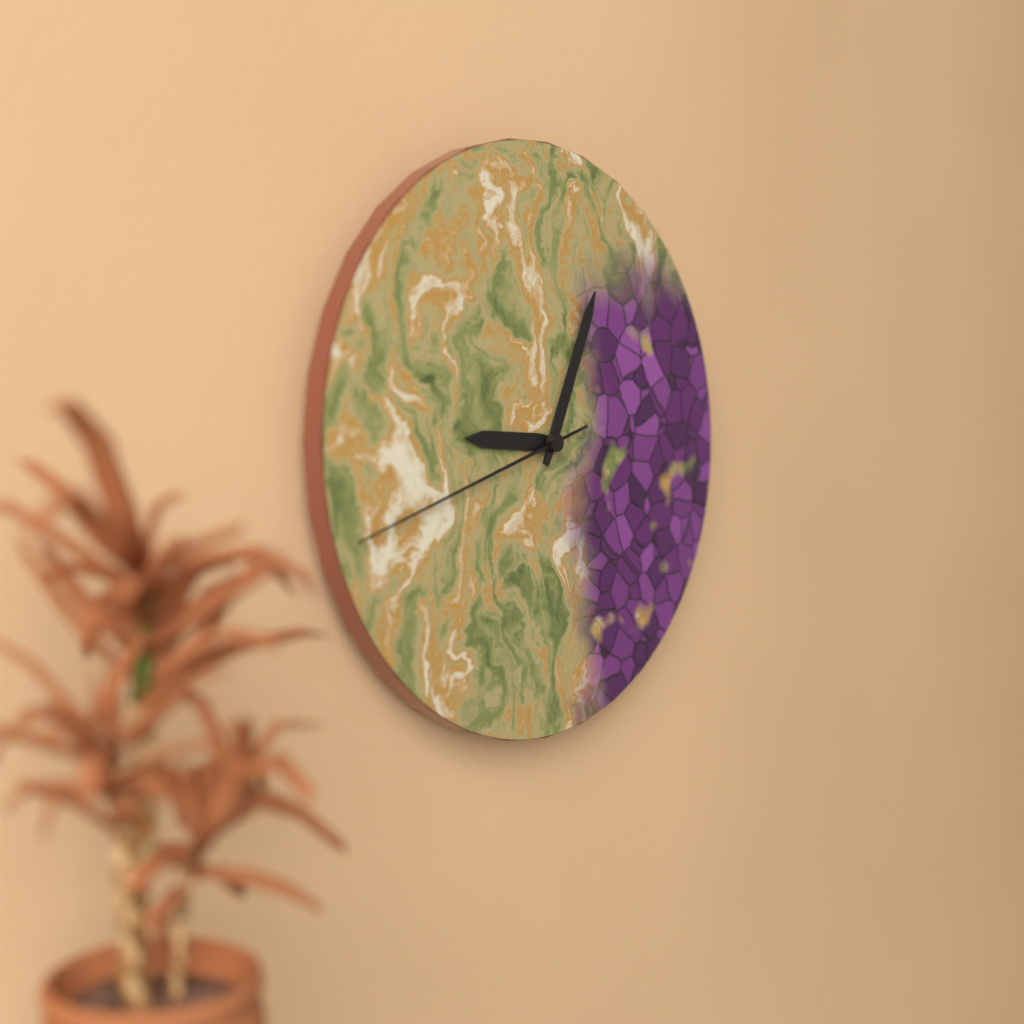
**9:04:42**
